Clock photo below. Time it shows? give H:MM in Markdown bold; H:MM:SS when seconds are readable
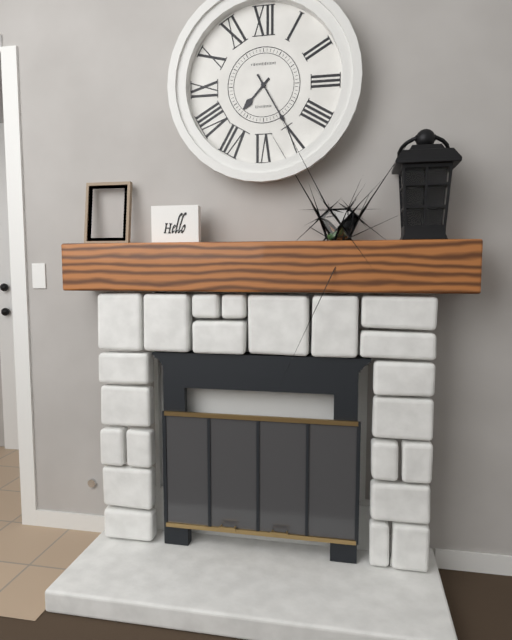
**7:25**
